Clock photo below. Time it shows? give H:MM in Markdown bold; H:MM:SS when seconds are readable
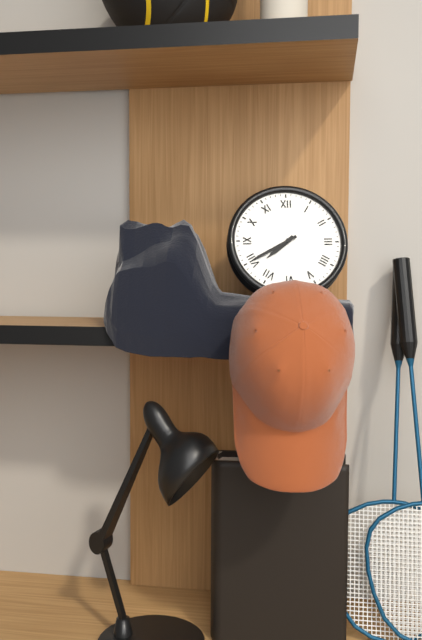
**7:40**
